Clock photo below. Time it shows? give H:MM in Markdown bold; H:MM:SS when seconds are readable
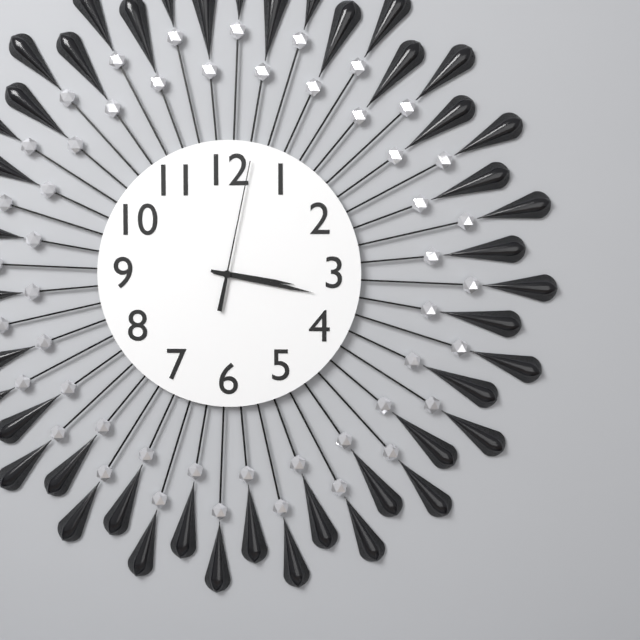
**3:17:02**
